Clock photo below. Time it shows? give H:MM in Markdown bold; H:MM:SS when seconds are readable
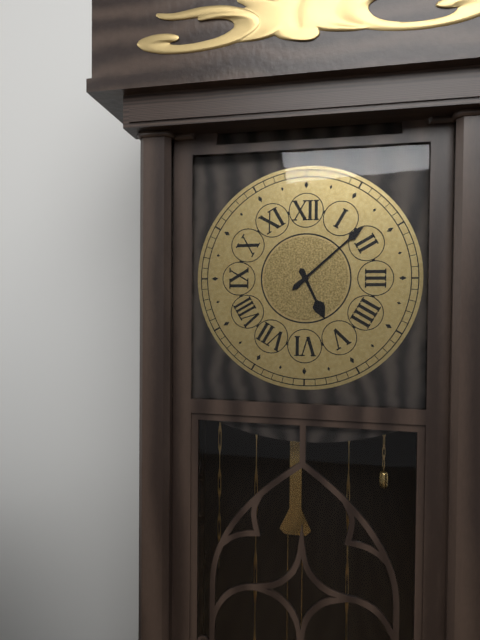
**5:08**
